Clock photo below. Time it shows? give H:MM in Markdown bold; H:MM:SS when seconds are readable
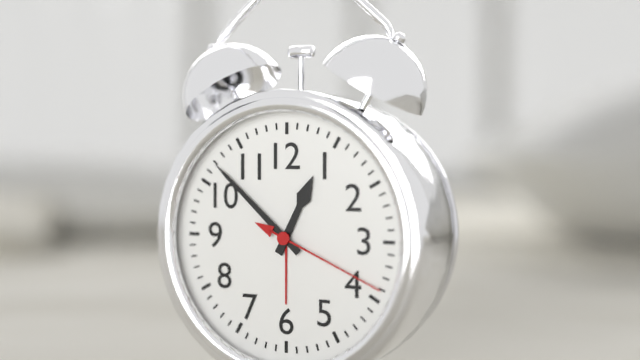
**12:52:19**
